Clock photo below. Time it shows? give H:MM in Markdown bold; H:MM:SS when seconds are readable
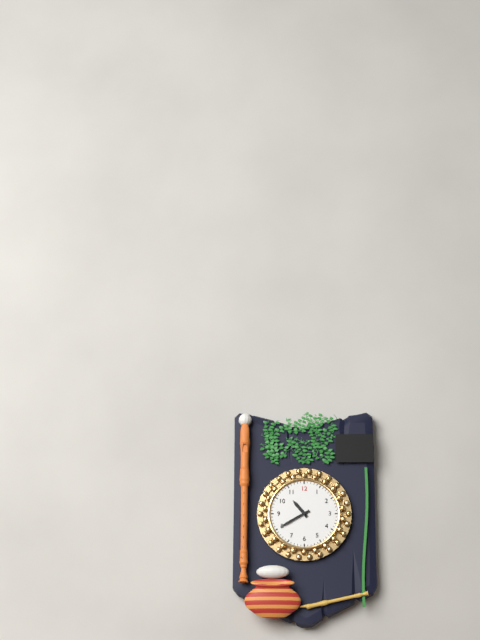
**10:40**
